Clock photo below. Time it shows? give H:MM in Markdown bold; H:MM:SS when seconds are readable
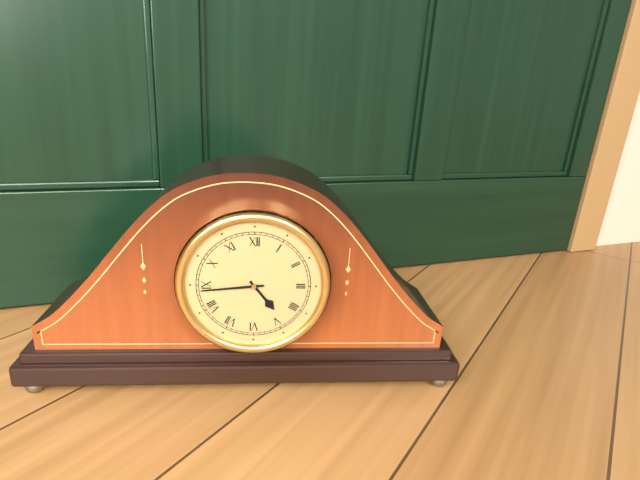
**4:44**
